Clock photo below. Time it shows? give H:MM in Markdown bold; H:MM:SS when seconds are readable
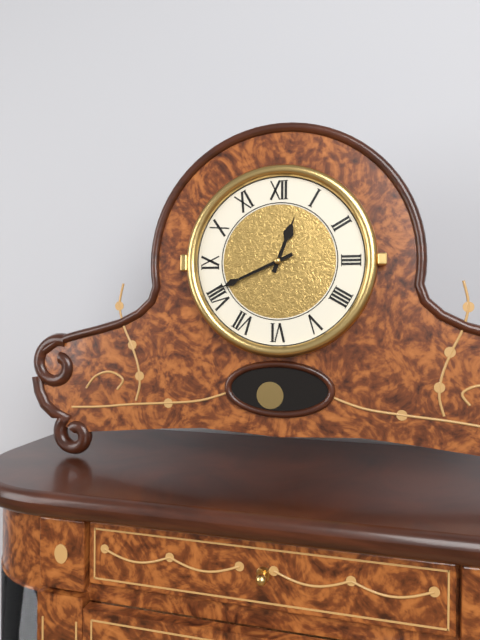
**12:41**
